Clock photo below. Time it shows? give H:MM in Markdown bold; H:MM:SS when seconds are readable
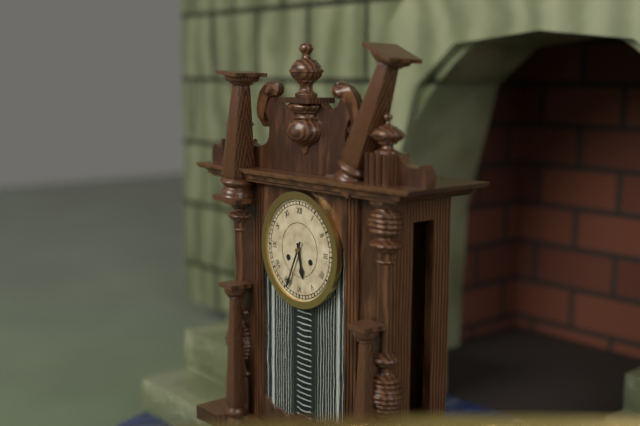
**5:34**
